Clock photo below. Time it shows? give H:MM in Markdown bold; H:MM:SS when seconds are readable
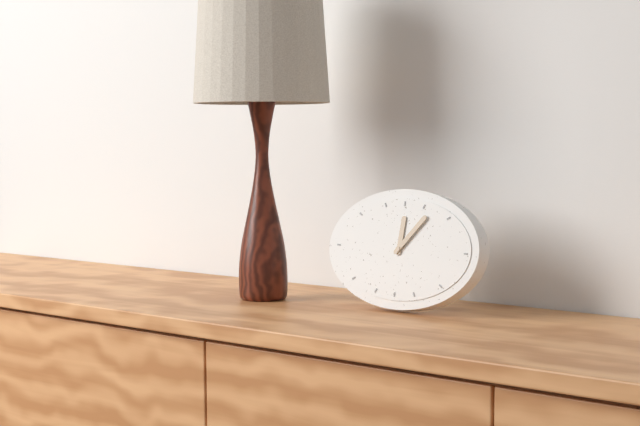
**12:07**
